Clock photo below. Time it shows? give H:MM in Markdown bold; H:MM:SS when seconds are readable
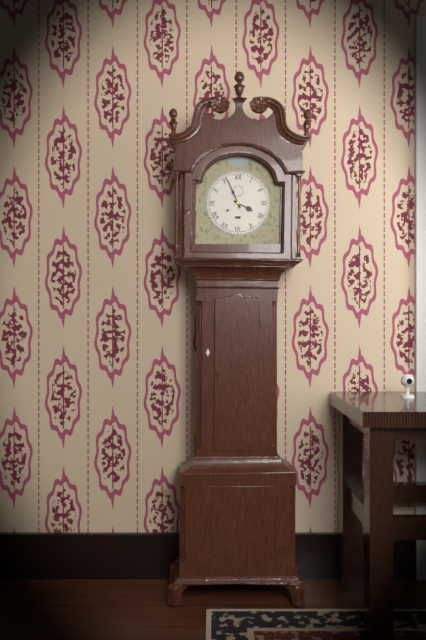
**3:56**
